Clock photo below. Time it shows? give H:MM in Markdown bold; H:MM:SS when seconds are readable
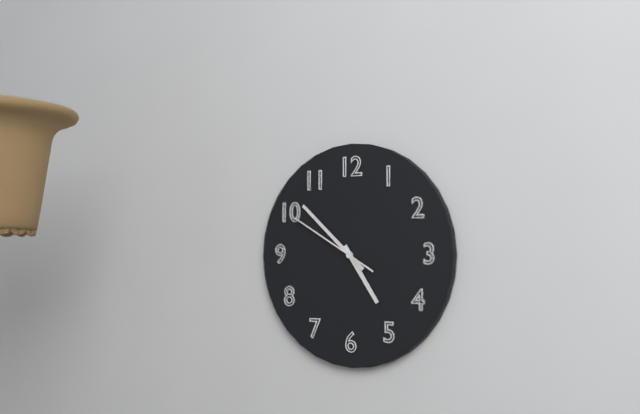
**4:52:50**
